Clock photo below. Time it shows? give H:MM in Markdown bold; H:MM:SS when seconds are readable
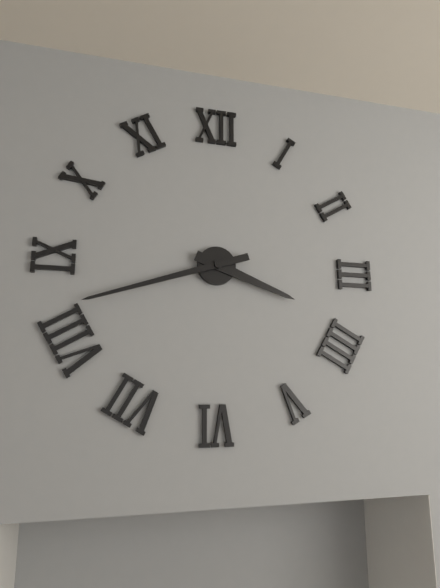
**3:42**
